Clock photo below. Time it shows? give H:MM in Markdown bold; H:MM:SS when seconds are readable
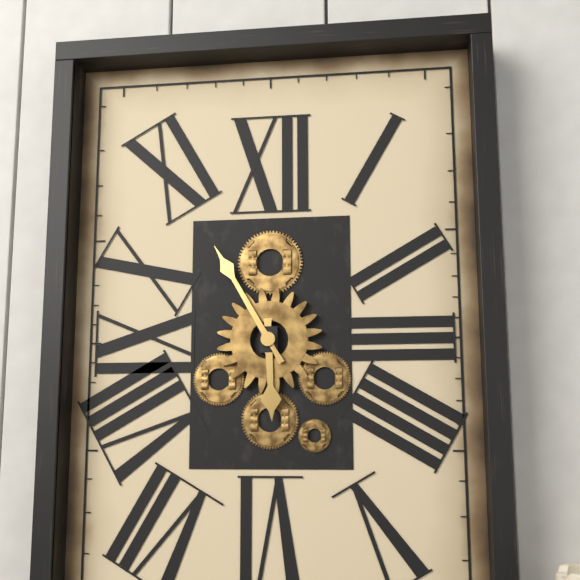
**5:55**
